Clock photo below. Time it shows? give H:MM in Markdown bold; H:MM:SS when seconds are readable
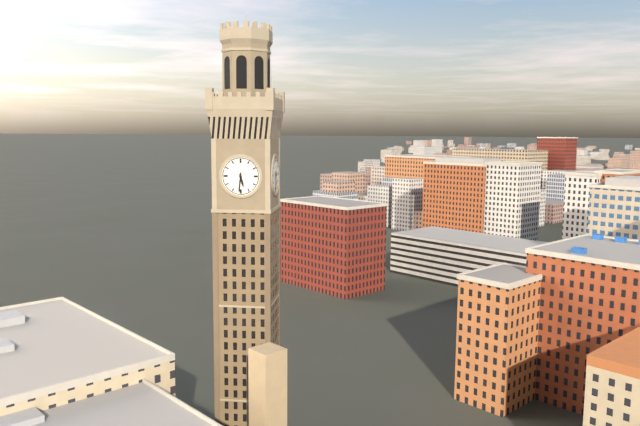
**5:31**
